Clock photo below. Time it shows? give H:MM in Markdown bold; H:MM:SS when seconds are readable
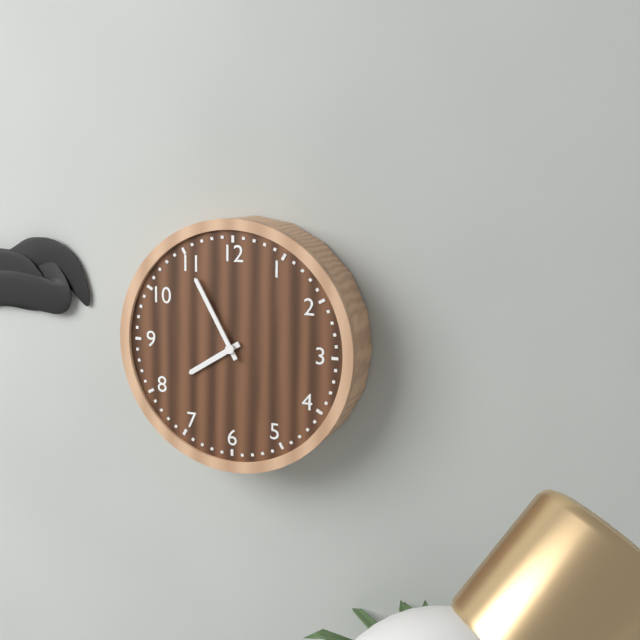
**7:55**
